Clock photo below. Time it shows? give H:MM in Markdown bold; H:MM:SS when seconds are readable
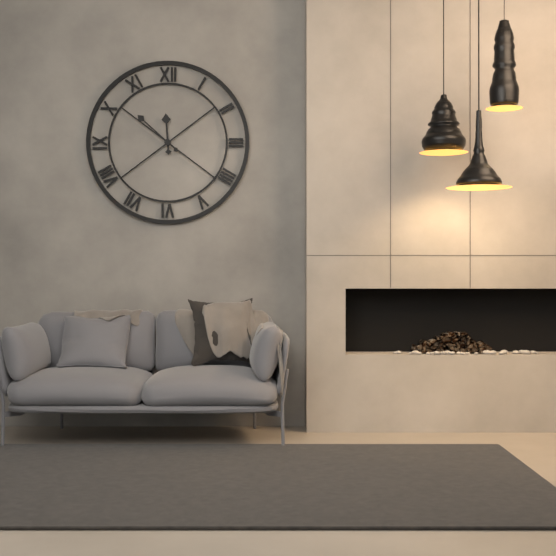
**11:52**
